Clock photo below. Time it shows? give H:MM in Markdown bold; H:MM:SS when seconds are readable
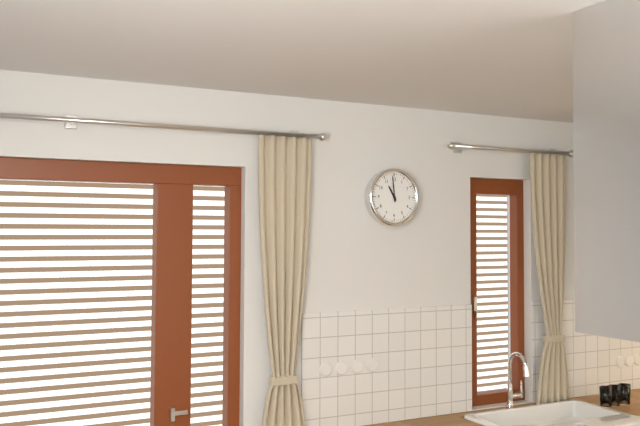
**10:59**
